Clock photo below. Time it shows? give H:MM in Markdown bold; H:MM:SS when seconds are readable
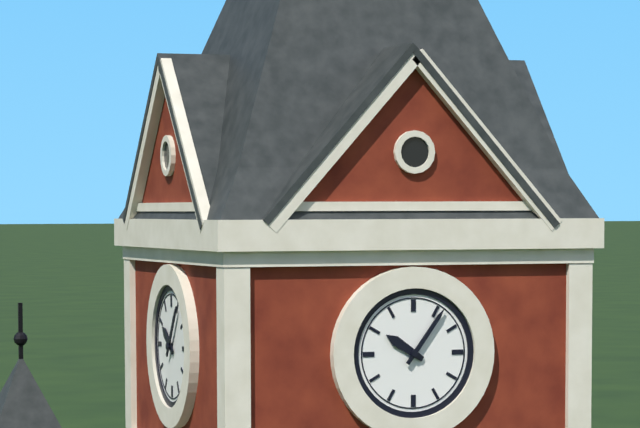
**10:06**
